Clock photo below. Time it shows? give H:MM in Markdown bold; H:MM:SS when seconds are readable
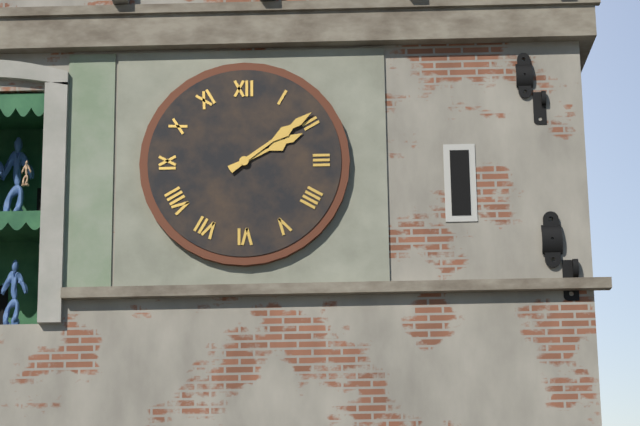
**2:09**
